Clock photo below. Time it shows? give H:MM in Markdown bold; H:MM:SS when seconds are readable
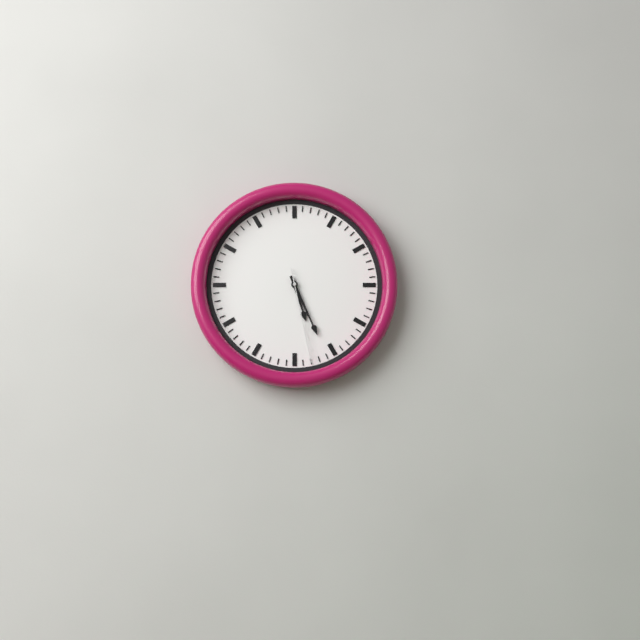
**5:26:28**
